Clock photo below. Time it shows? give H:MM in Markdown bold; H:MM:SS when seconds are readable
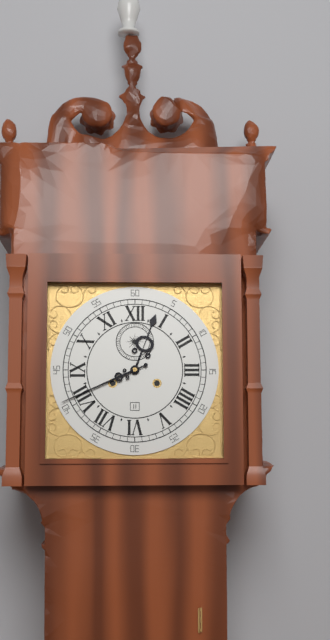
**12:41**
